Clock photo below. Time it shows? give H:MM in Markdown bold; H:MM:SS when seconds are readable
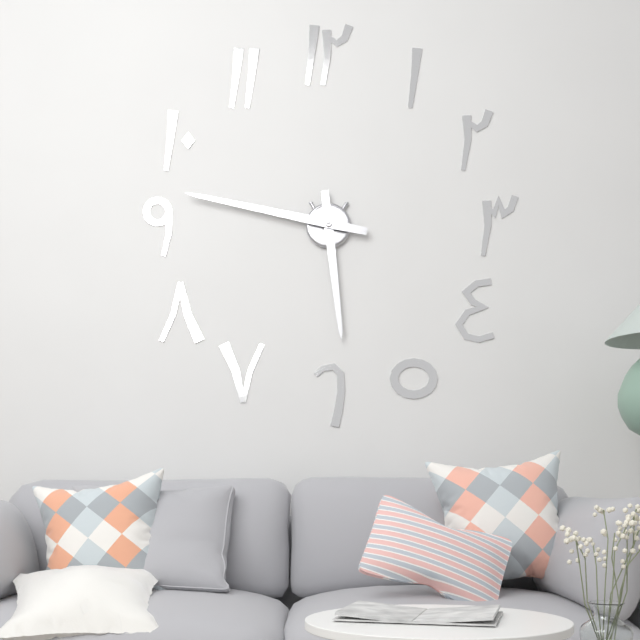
**5:47**
